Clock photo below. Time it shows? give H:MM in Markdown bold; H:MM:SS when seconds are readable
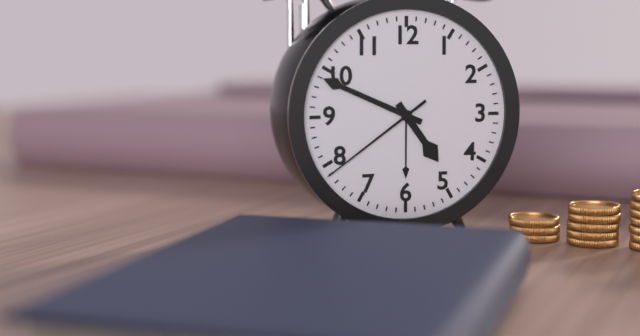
**4:49:39**
